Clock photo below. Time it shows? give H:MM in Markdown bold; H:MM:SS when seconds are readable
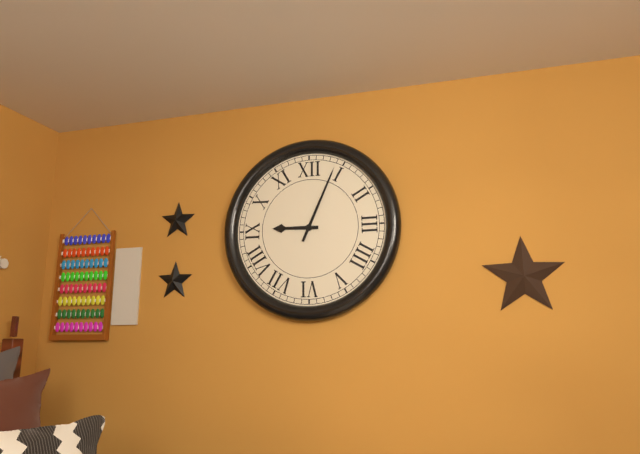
**9:04**
